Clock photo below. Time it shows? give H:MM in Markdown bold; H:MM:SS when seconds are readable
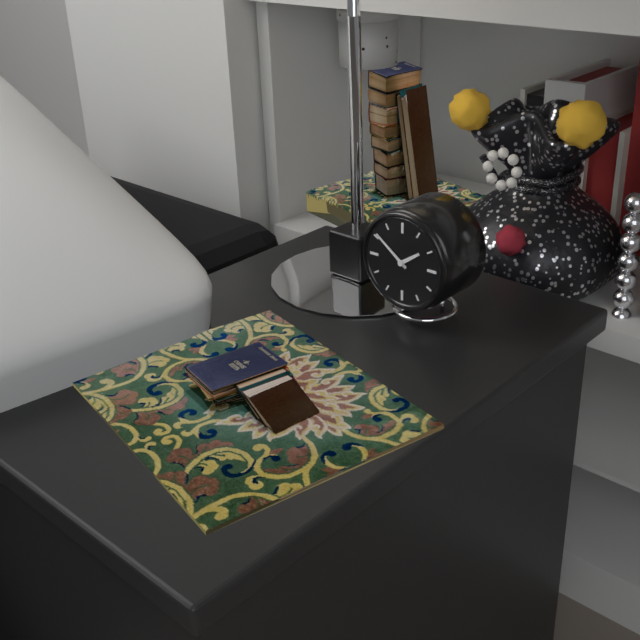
**1:51**
